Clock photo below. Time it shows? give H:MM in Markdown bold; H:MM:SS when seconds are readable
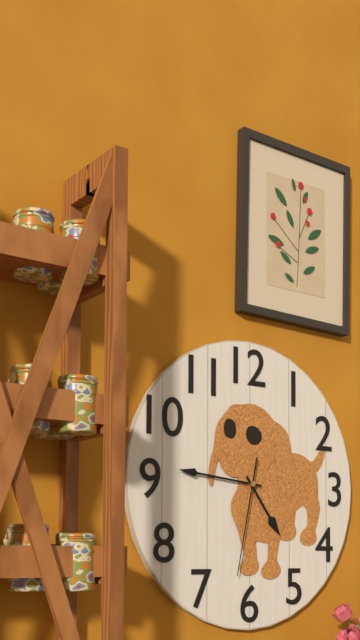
**4:46:32**
